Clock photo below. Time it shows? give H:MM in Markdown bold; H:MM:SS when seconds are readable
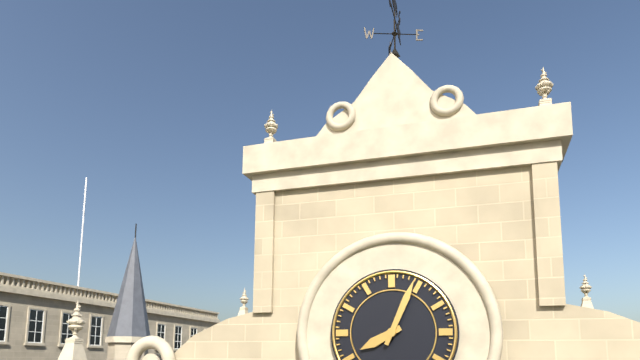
**8:04**
